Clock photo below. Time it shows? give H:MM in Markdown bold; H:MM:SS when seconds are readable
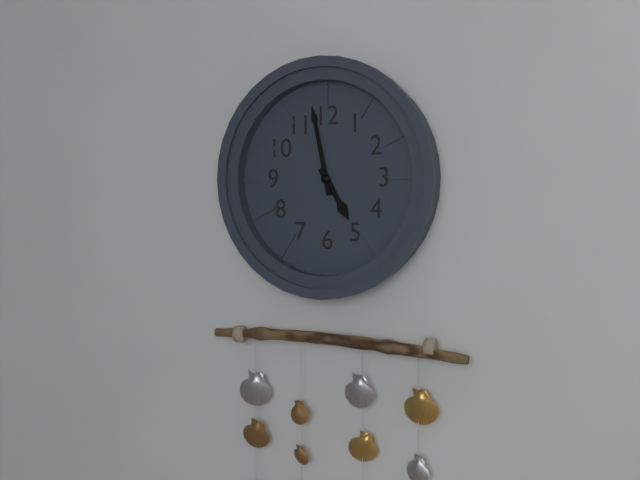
**4:58**
